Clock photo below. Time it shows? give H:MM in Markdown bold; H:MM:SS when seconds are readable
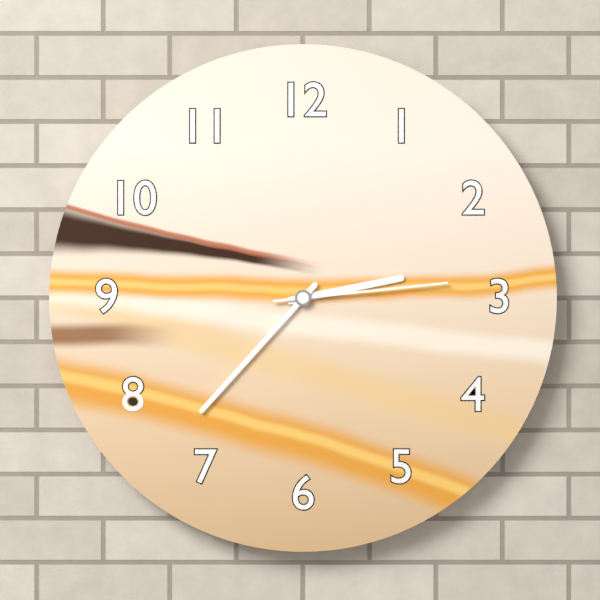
**2:37:14**
